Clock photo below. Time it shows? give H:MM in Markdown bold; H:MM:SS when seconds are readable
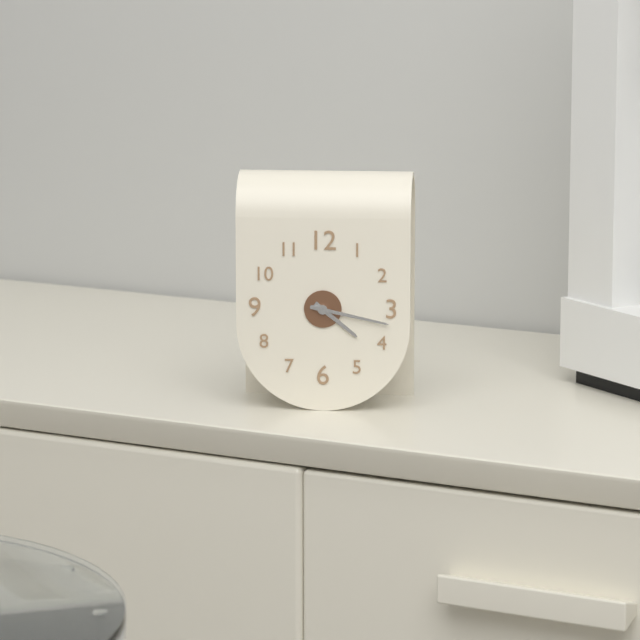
**4:17**
